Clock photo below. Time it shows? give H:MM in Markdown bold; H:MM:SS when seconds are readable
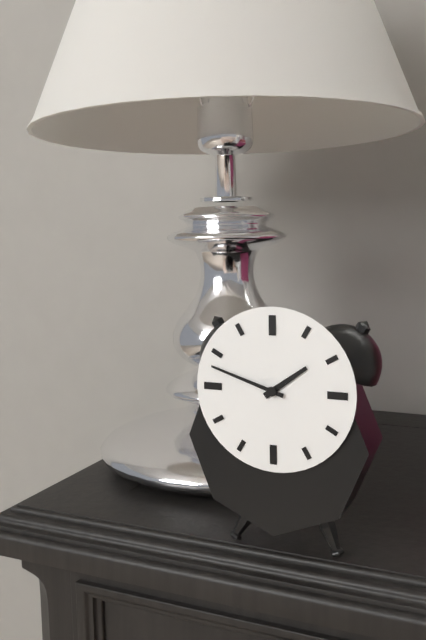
**1:48**
